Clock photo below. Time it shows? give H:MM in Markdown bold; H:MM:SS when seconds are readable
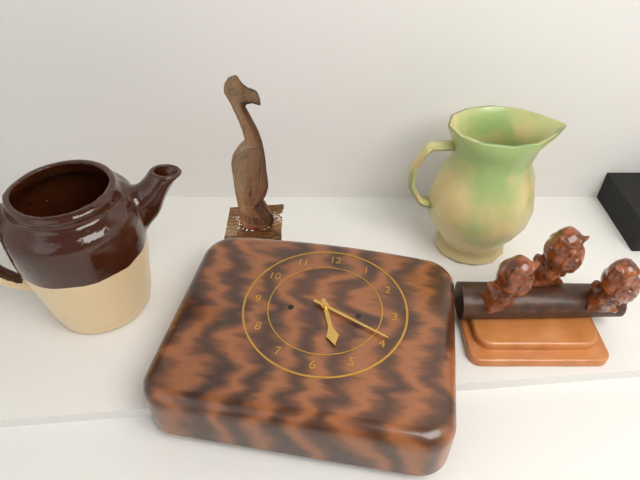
**5:19**
